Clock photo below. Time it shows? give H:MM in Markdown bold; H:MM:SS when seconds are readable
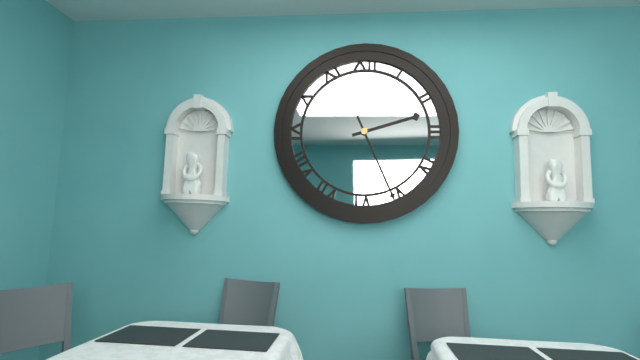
**2:26**
